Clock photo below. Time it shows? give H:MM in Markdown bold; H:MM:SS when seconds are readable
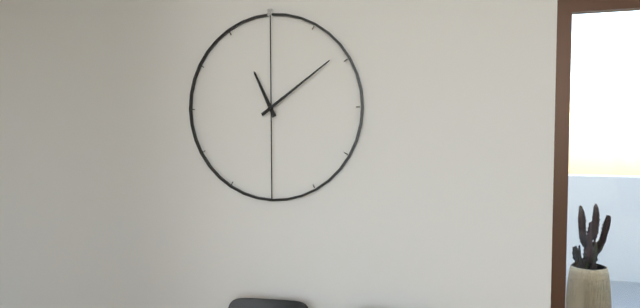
**11:09**
